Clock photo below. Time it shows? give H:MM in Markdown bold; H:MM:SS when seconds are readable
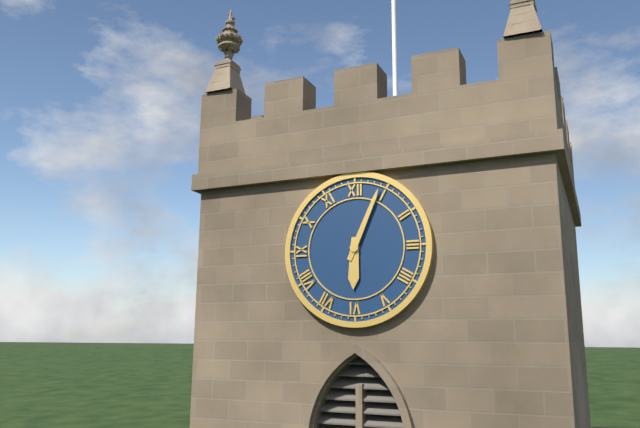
**6:04**
